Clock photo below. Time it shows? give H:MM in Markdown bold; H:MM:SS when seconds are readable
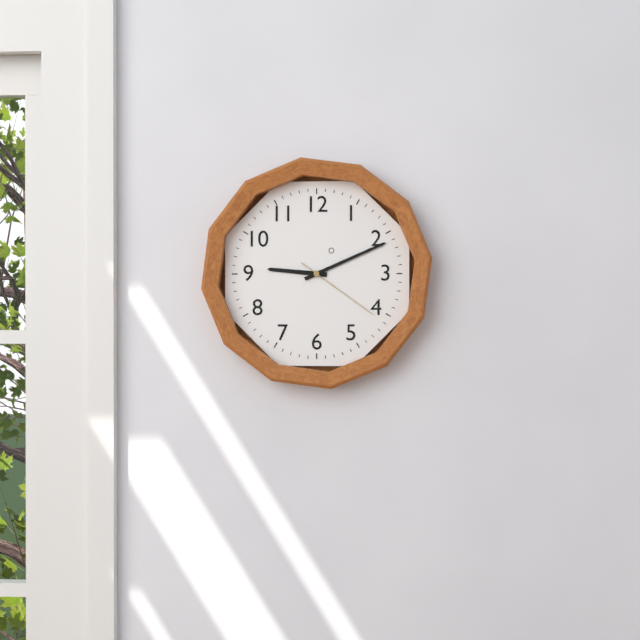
**9:11:21**
